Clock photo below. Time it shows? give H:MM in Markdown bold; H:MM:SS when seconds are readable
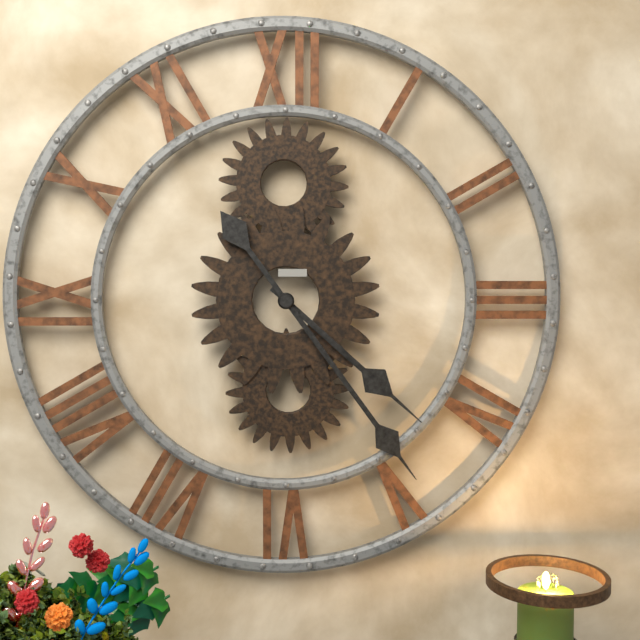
**4:24**
